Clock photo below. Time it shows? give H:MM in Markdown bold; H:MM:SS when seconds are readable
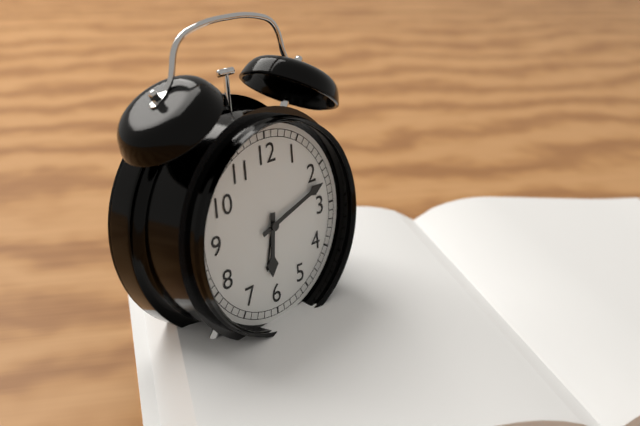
**6:12**
